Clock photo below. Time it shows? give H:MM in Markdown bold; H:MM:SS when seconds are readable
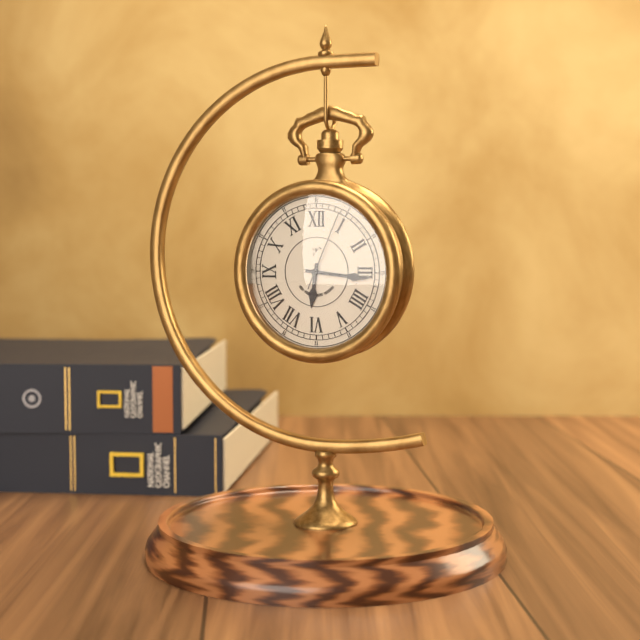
**6:16:04**
